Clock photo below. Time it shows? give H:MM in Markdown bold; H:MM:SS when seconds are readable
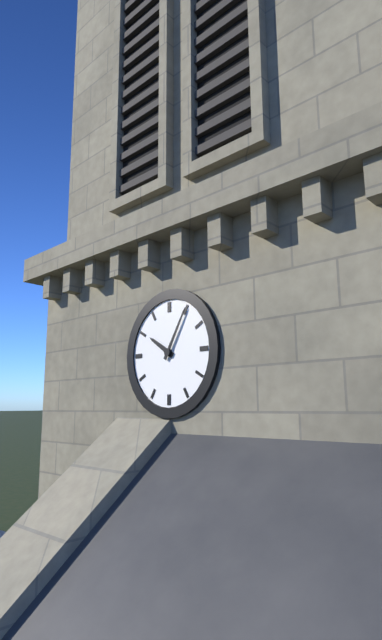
**10:05**
